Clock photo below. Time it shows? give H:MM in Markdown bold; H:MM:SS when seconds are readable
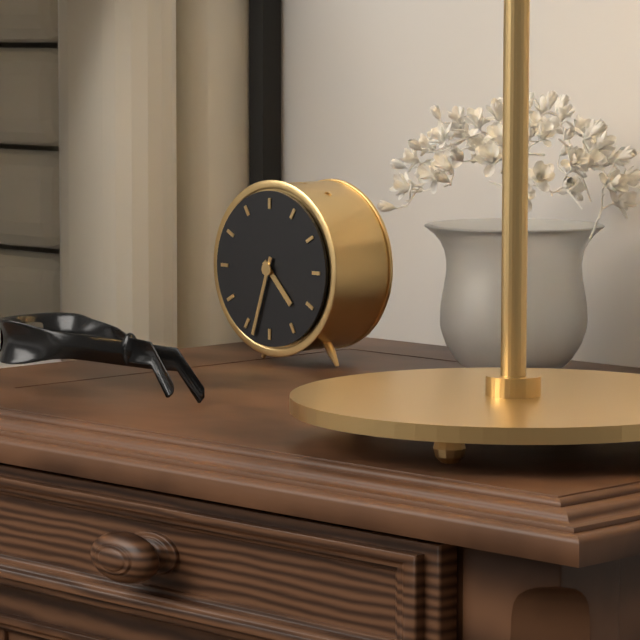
**4:33**
